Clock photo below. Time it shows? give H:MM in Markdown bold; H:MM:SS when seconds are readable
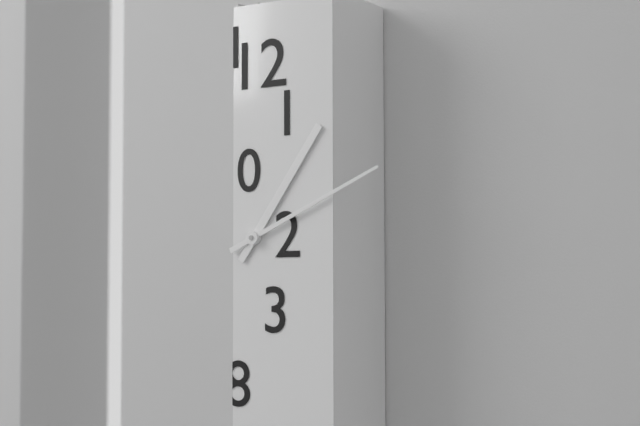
**1:11**
